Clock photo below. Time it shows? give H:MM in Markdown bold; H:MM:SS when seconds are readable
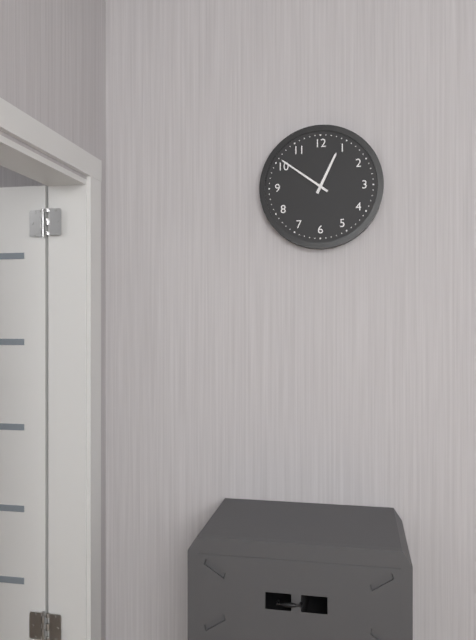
**12:51**
